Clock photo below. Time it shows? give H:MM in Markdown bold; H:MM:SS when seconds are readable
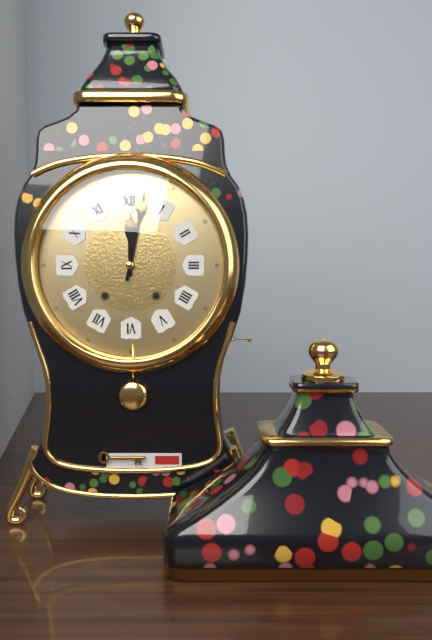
**12:02**
